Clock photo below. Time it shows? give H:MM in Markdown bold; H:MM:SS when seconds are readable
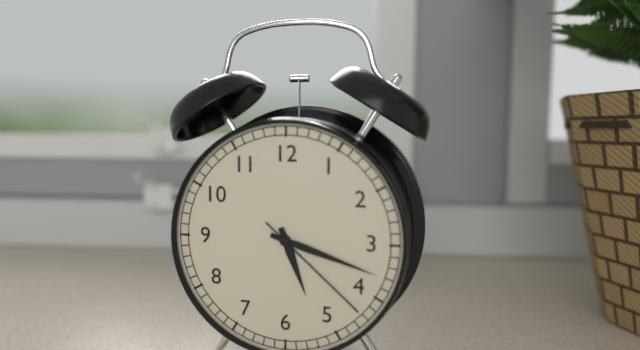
**5:18:22**
